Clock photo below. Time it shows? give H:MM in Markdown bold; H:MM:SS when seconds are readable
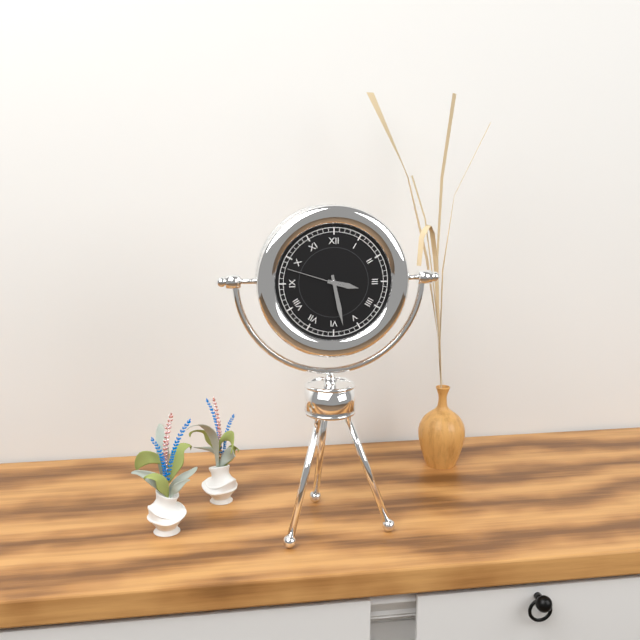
**3:28:48**
